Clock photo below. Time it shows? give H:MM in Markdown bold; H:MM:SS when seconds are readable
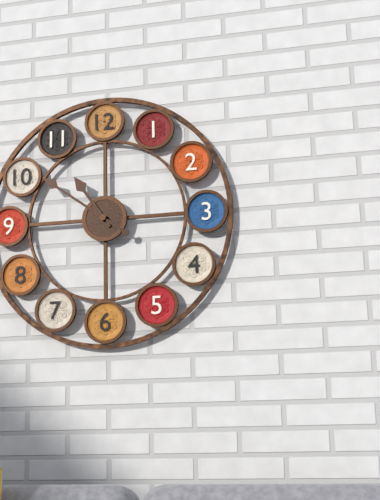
**10:51**
